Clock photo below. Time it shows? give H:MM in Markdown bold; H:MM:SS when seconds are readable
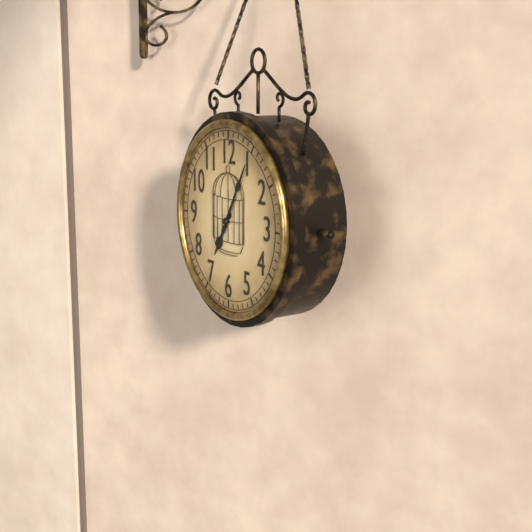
**7:05**
